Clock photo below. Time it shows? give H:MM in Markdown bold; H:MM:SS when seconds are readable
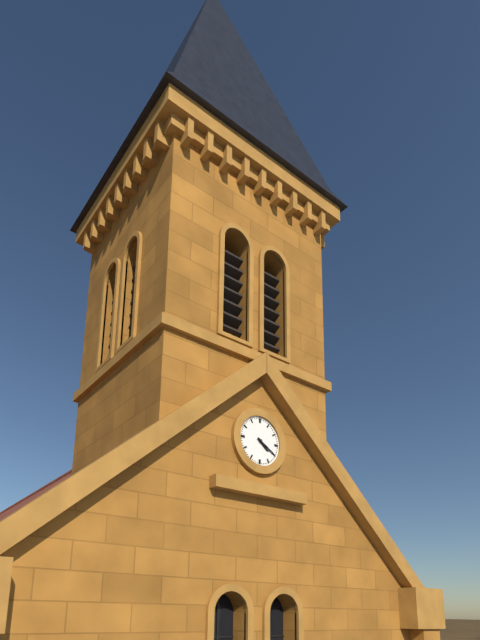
**4:20**
